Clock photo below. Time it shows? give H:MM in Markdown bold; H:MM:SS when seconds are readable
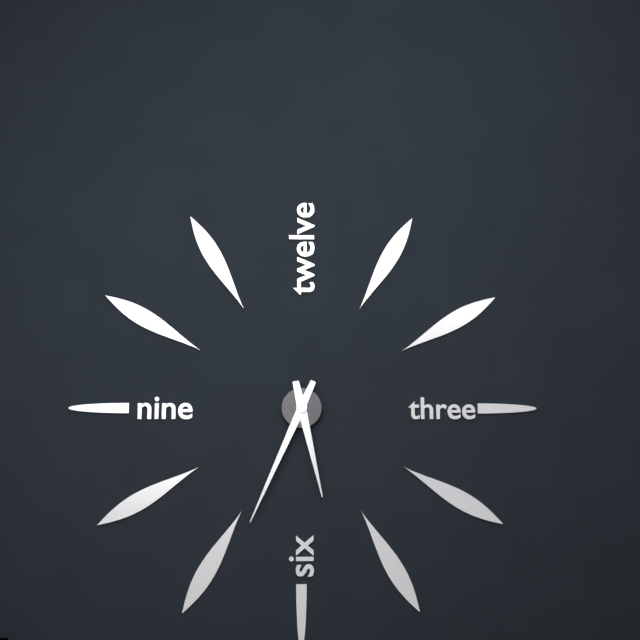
**5:34**
